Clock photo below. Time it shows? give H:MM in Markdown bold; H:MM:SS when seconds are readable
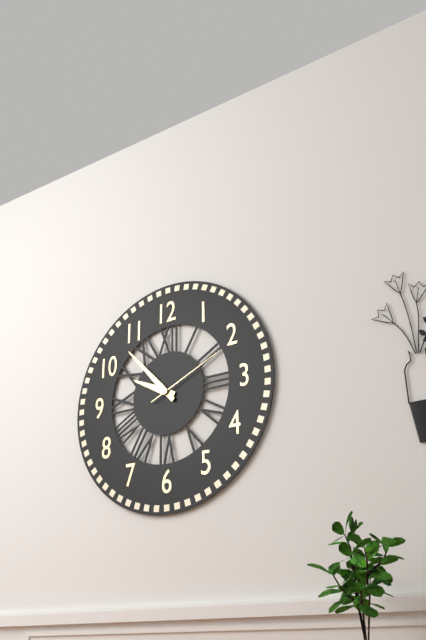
**9:53:11**
